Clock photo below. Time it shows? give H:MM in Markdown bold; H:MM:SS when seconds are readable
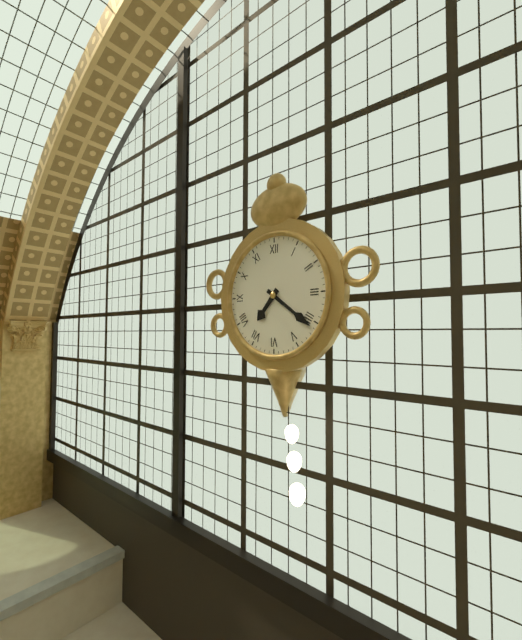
**7:21**
